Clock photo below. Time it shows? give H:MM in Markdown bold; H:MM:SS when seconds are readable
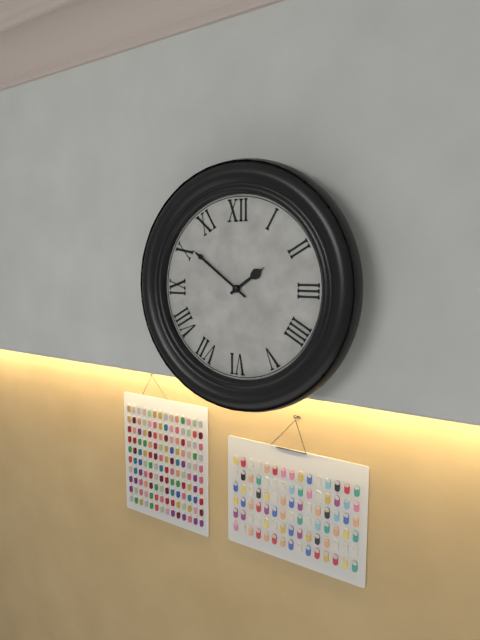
**1:51**
